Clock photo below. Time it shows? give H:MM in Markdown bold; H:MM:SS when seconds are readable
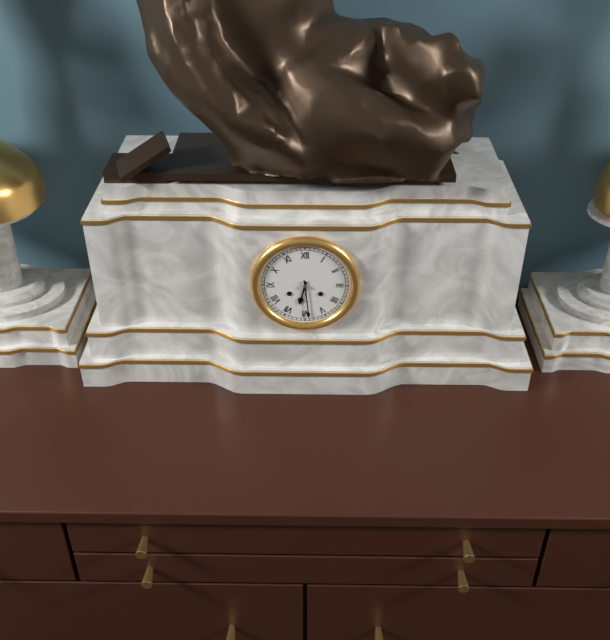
**6:29**
